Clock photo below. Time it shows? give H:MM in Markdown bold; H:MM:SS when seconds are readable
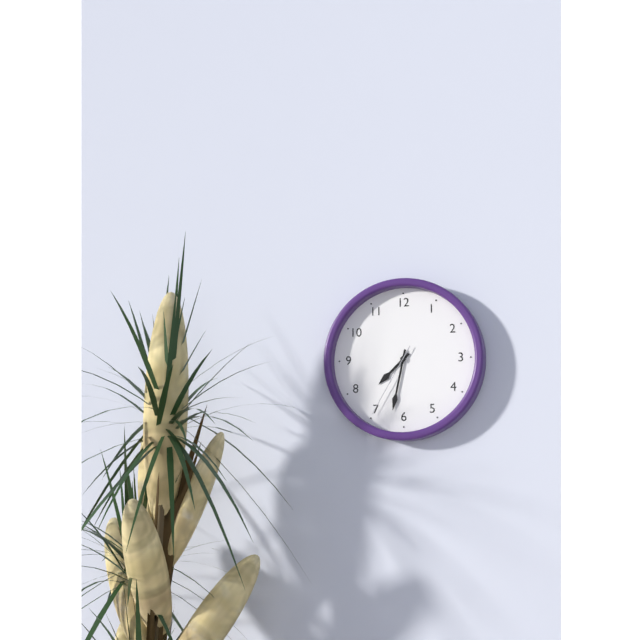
**7:32:35**
